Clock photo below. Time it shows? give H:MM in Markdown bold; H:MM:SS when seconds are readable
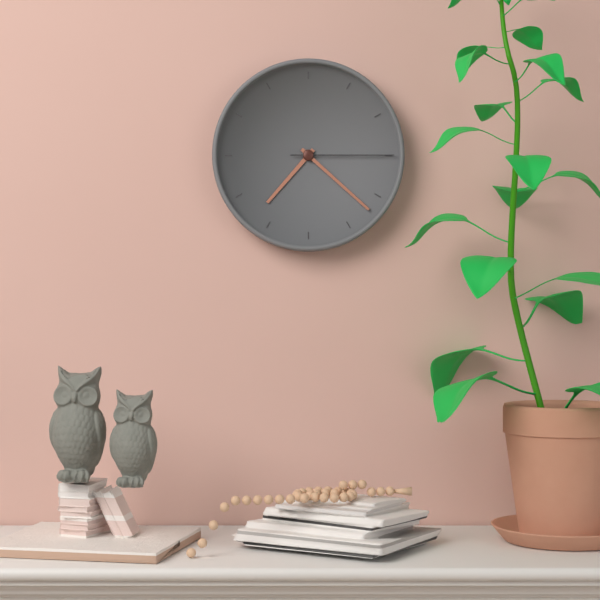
**7:22:15**
